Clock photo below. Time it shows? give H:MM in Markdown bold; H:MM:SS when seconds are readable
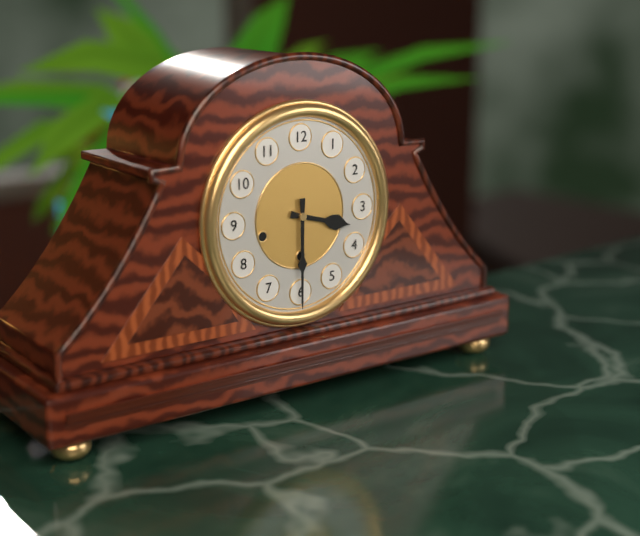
**3:30**
